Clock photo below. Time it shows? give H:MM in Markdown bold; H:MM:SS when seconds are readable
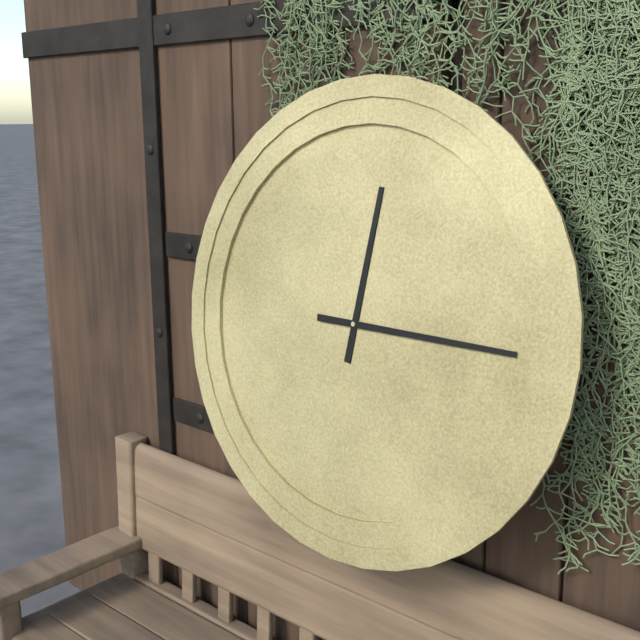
**12:15**
